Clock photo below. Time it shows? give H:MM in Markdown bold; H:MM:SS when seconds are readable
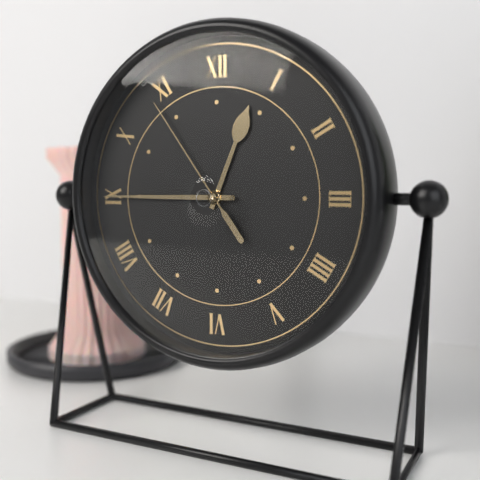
**12:45:54**
